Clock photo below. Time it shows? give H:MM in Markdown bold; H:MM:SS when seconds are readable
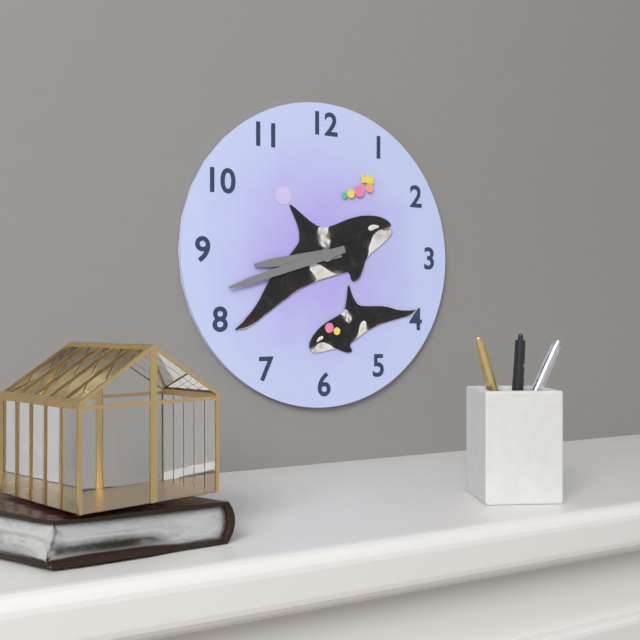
**8:42**
